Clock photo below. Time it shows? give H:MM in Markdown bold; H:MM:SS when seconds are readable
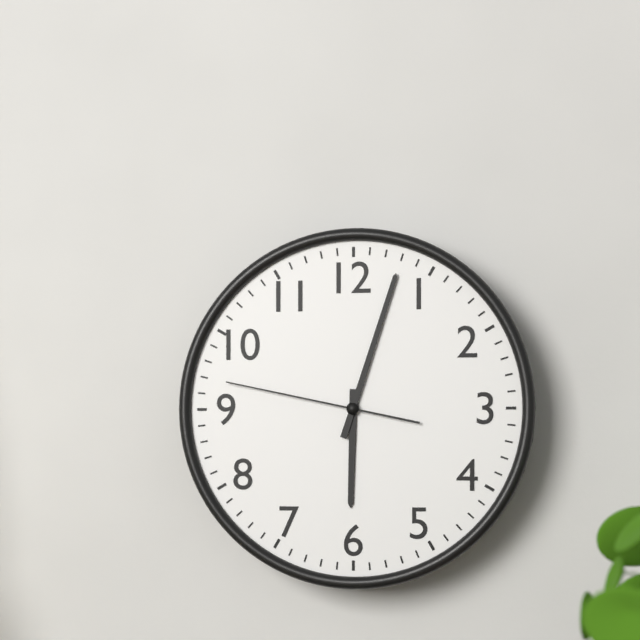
**6:03:47**
